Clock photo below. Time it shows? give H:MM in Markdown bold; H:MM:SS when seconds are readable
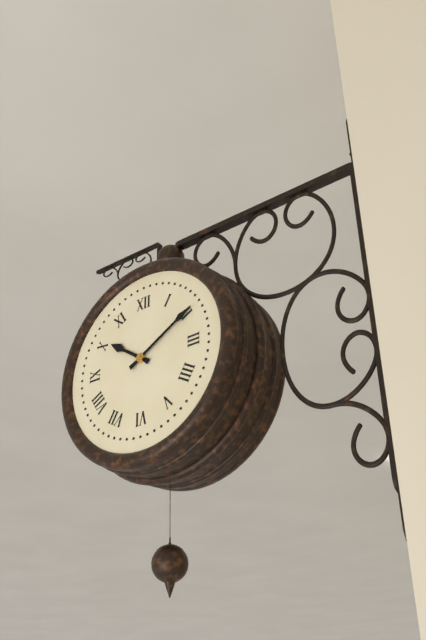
**10:10**
